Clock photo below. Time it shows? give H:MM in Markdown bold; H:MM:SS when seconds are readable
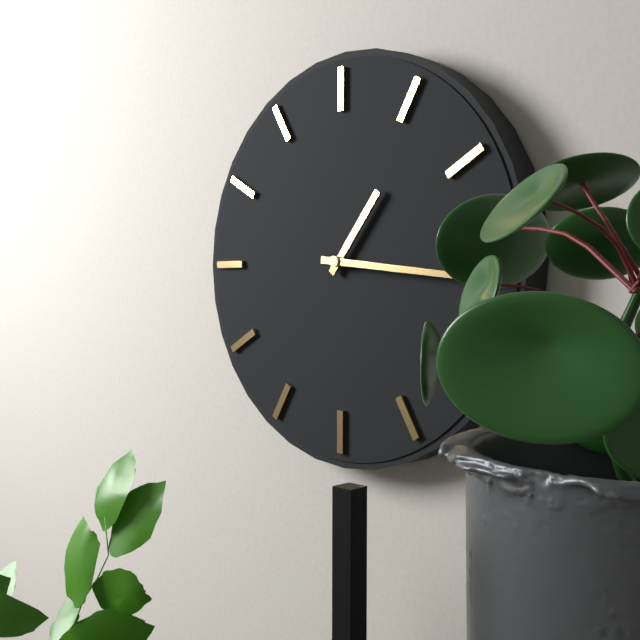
**1:16**
